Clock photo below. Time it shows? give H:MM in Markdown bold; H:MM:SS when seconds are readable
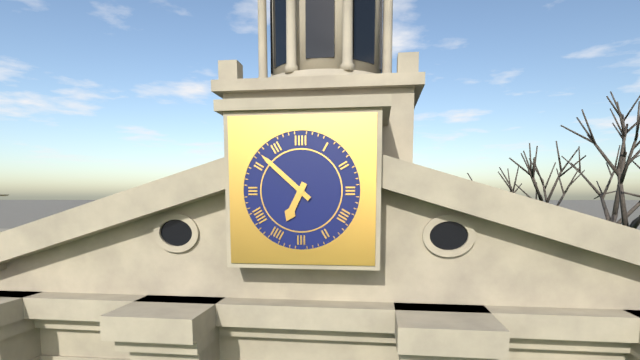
**6:52**
